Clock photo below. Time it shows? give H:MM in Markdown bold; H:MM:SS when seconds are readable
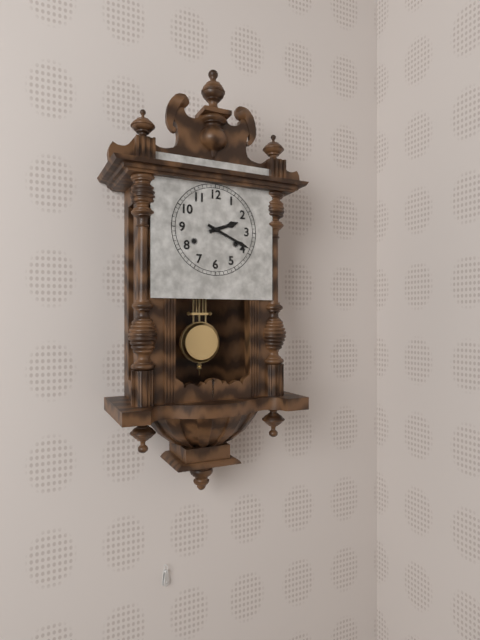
**2:19**
